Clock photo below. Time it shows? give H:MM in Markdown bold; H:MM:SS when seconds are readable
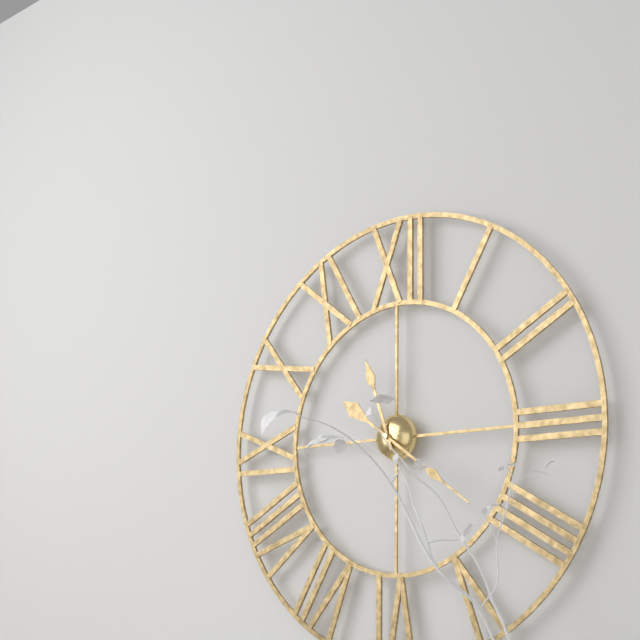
**11:21**
